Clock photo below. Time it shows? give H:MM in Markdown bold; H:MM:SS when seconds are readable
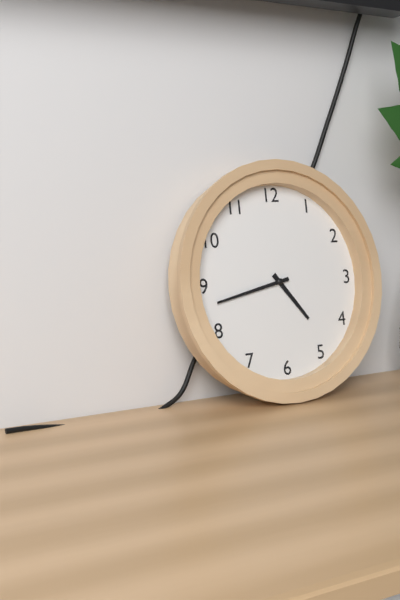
**4:43**
